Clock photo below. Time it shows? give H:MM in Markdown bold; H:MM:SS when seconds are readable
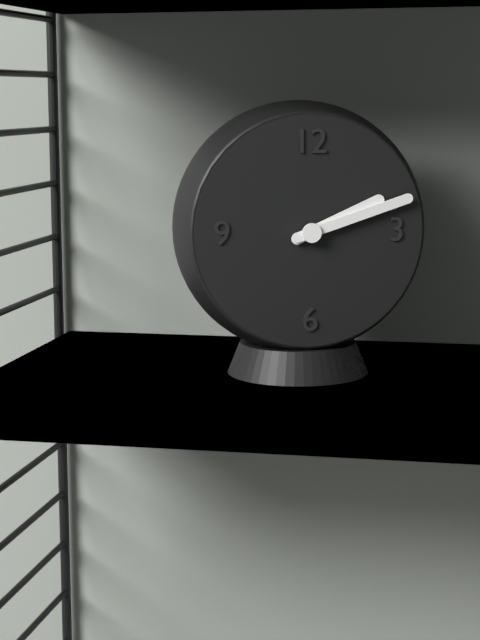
**2:12**
